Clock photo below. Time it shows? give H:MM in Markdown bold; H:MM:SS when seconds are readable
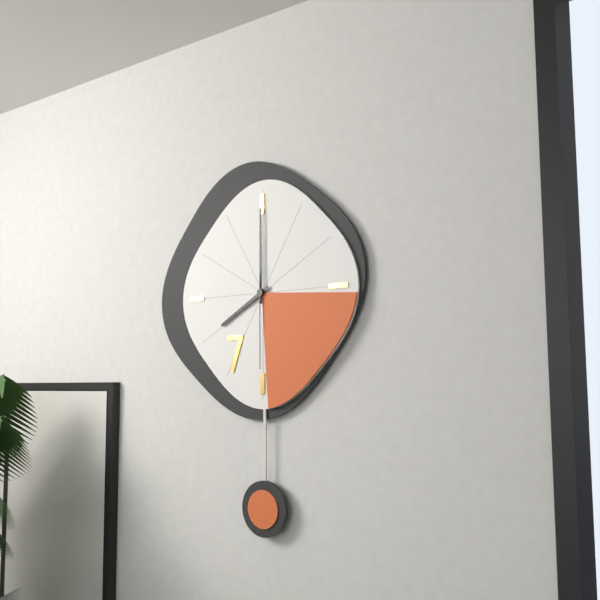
**8:00:30**
